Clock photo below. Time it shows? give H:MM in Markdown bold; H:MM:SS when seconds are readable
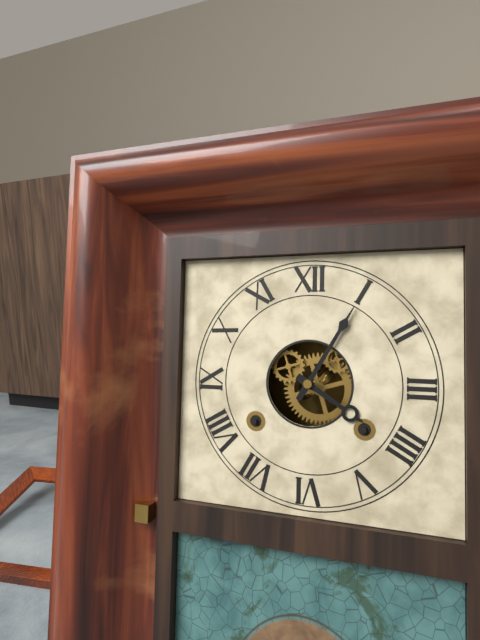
**4:05**
